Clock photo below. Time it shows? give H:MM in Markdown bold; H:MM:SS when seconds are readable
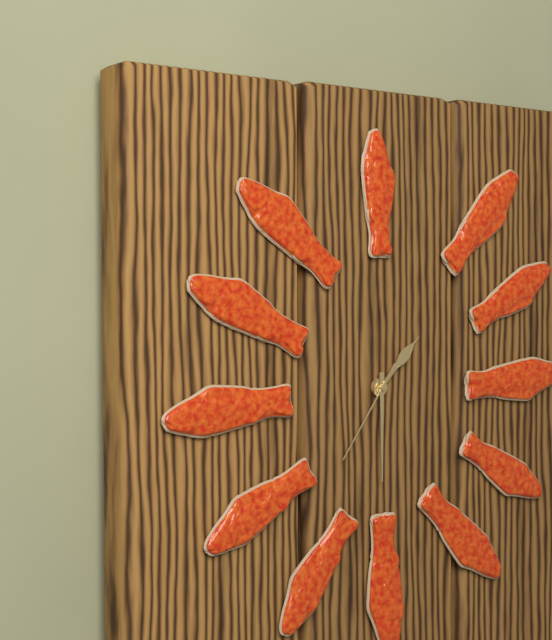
**1:30:36**
